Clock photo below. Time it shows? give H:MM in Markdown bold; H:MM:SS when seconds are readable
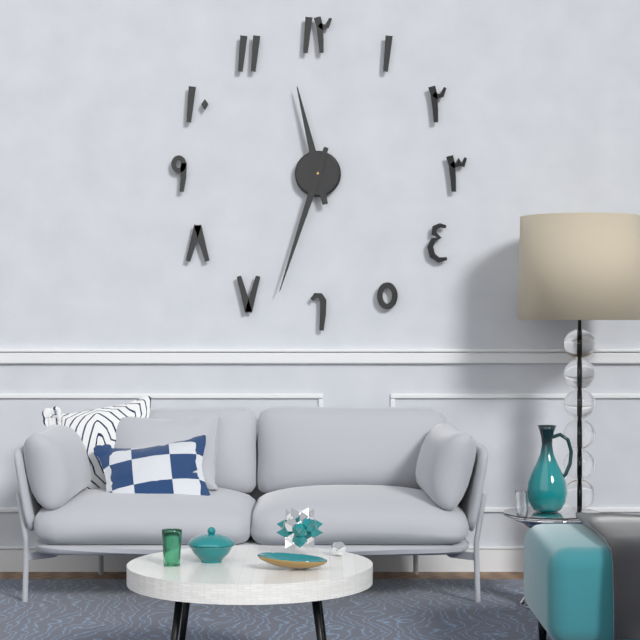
**11:33**
